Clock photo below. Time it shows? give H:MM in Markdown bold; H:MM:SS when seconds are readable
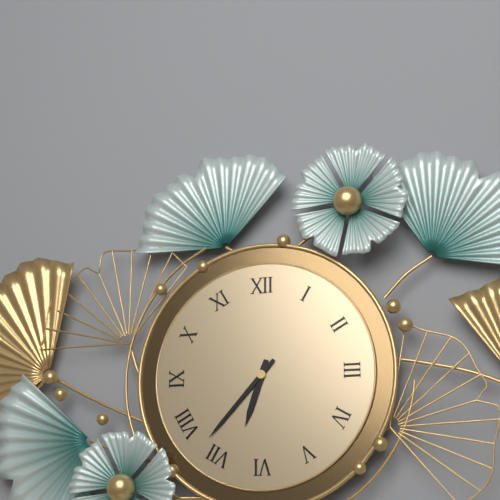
**6:37**
